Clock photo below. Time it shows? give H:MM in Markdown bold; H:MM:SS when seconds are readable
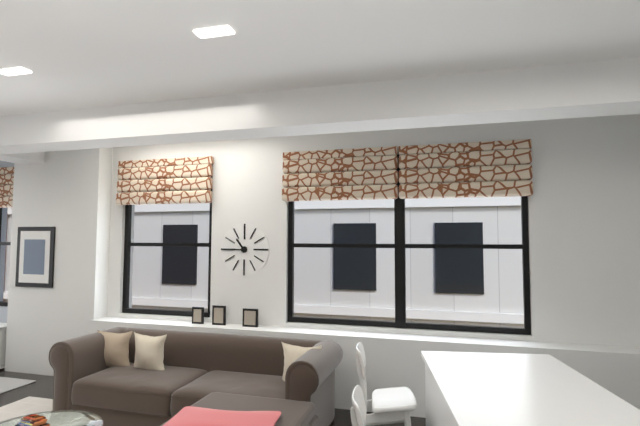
**10:45**
